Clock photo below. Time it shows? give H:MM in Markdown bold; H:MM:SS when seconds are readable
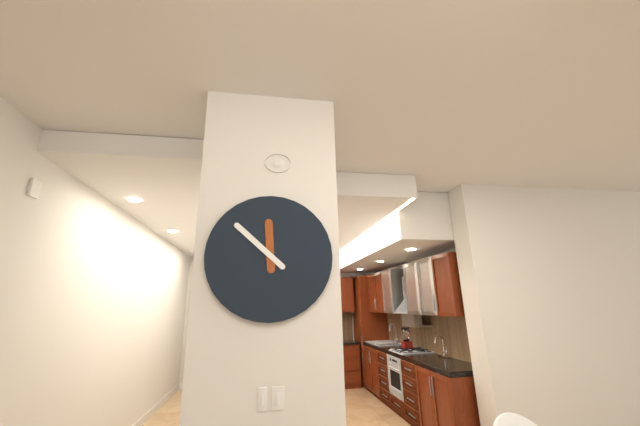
**11:52**
